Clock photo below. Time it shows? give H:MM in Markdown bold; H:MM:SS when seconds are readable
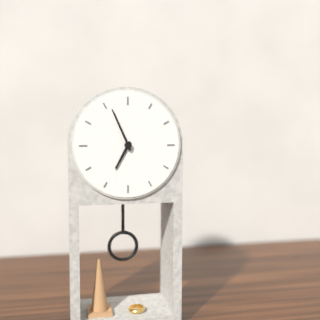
**6:56**
